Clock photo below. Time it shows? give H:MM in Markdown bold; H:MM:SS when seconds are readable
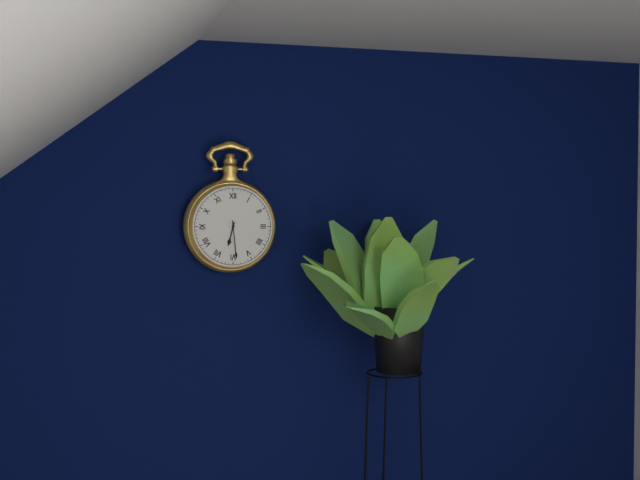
**6:29**
